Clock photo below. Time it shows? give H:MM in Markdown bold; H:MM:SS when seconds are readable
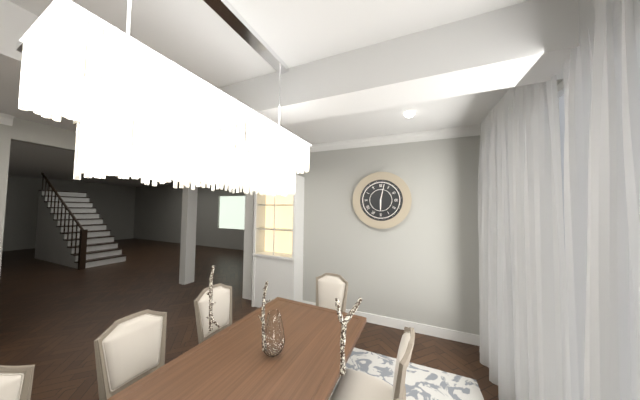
**6:02**
